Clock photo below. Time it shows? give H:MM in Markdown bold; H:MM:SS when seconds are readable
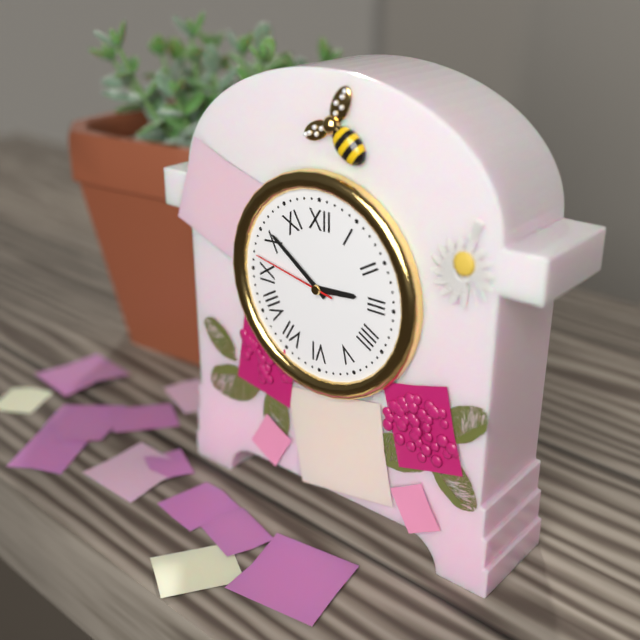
**2:51:47**
